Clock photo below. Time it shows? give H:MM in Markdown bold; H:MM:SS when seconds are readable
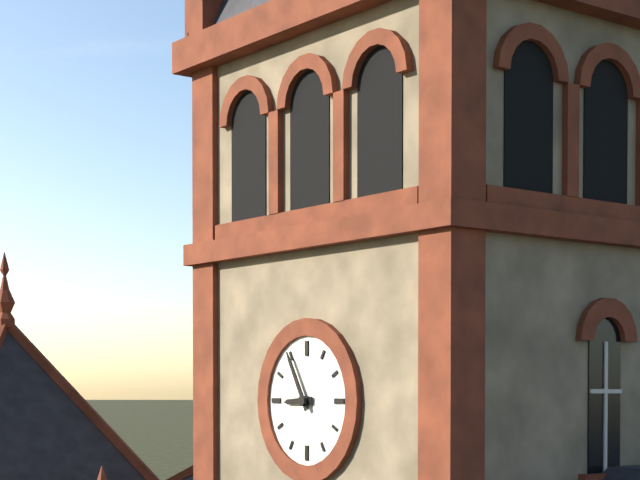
**8:55**
